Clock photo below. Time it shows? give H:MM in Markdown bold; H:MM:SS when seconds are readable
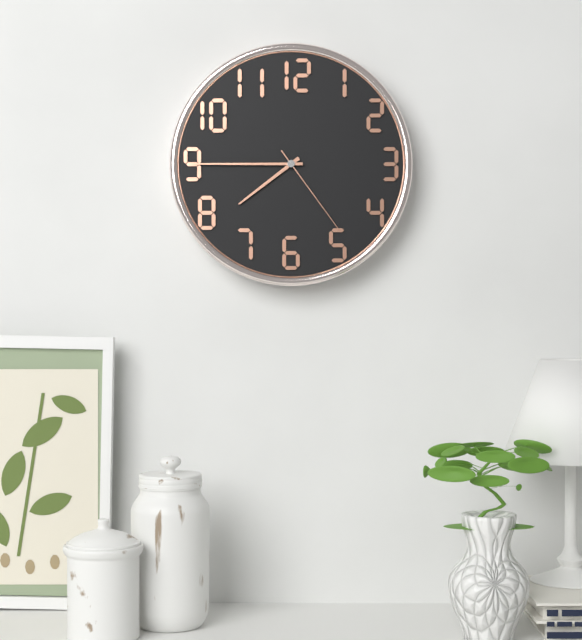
**7:45:24**
